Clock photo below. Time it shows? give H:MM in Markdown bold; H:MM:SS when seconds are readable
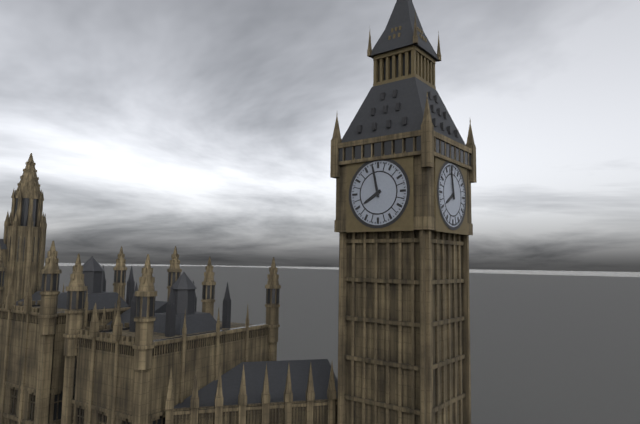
**7:58**
